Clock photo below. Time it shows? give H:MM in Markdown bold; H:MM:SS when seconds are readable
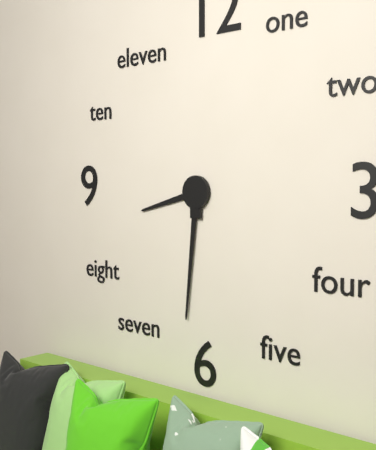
**8:31**
